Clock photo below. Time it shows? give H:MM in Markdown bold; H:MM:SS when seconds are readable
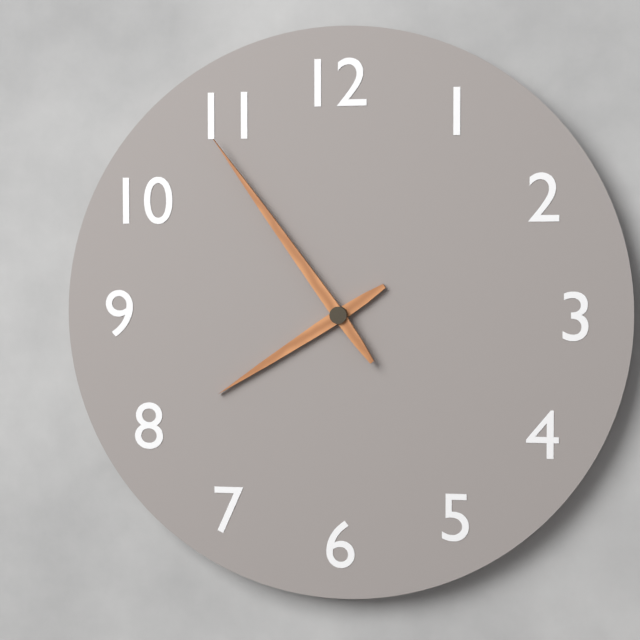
**7:54**
